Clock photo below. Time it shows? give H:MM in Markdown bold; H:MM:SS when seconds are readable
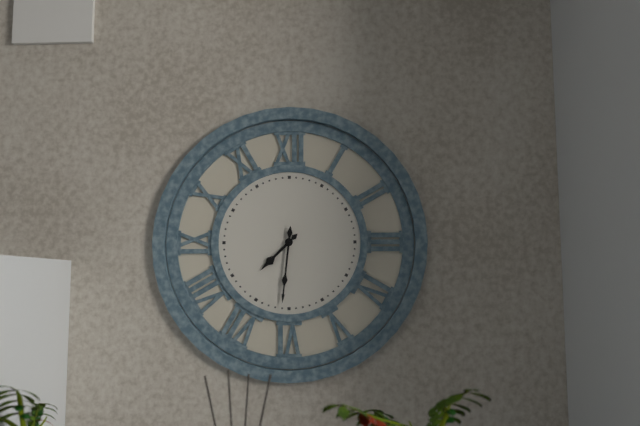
**7:31**
